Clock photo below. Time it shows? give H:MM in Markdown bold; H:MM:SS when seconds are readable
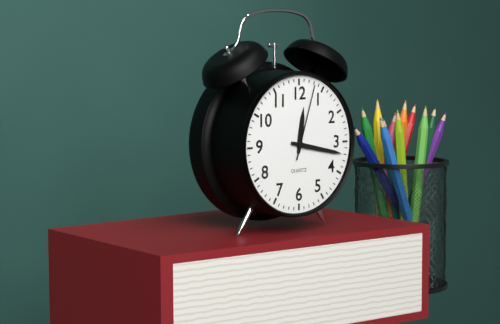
**12:17:03**
